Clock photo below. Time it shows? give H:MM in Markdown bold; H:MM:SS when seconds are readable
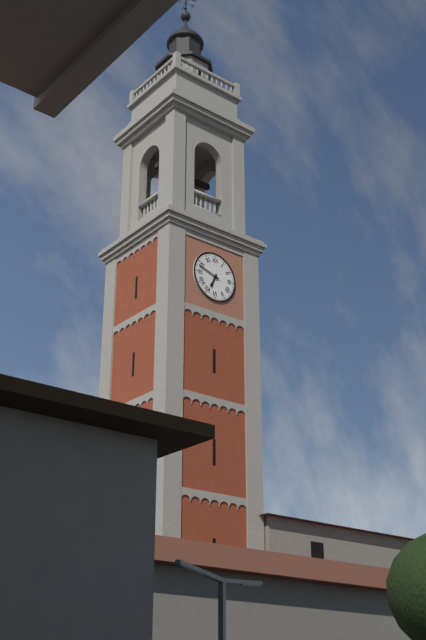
**6:48**
